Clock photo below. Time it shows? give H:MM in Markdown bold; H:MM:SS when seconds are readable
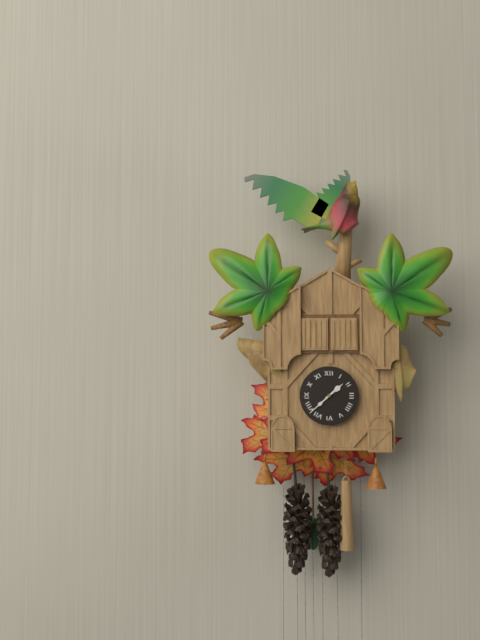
**1:38**
